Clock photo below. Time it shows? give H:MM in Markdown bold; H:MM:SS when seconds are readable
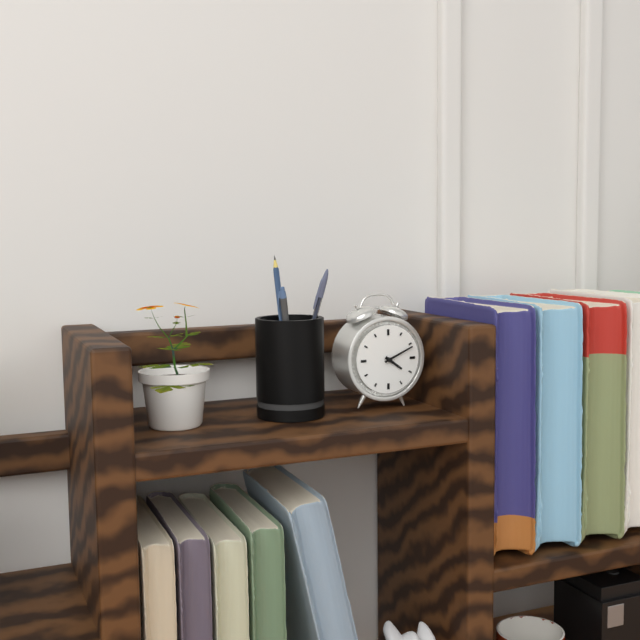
**4:11**
